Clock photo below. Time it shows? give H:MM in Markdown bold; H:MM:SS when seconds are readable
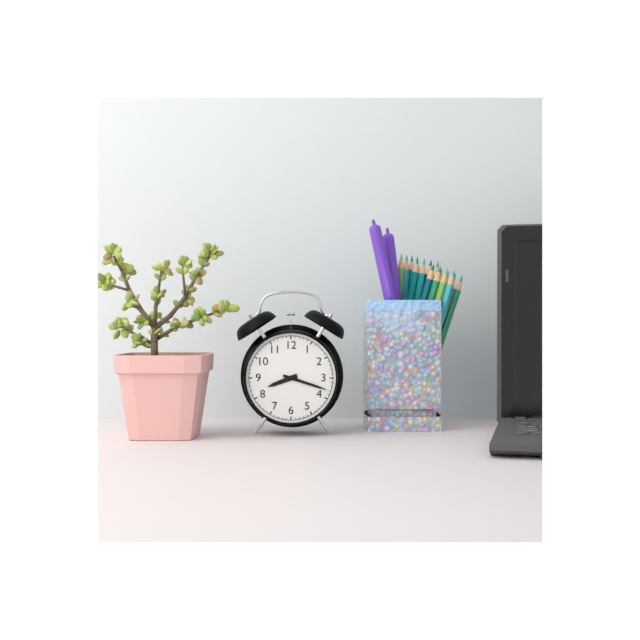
**8:18**
